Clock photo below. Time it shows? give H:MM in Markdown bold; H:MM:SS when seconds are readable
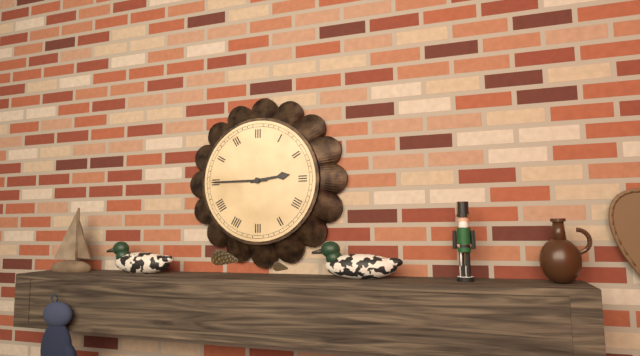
**2:45**
